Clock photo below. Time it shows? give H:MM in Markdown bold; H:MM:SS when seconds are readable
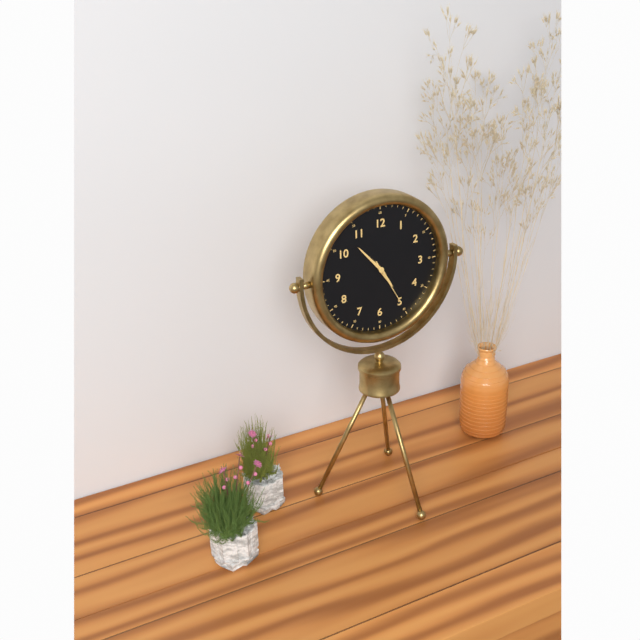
**4:53**
